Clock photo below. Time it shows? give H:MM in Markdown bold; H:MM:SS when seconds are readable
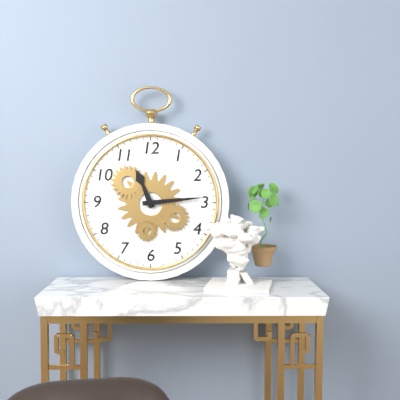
**11:14**
